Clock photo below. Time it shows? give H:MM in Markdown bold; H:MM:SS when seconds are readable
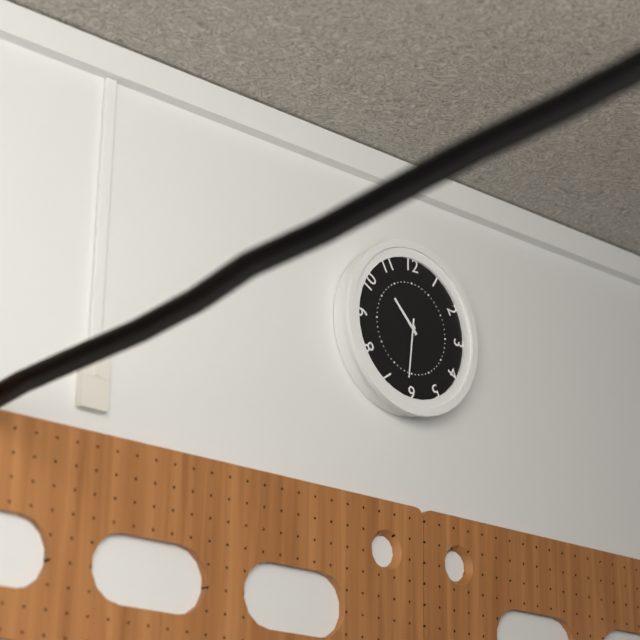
**10:31**
